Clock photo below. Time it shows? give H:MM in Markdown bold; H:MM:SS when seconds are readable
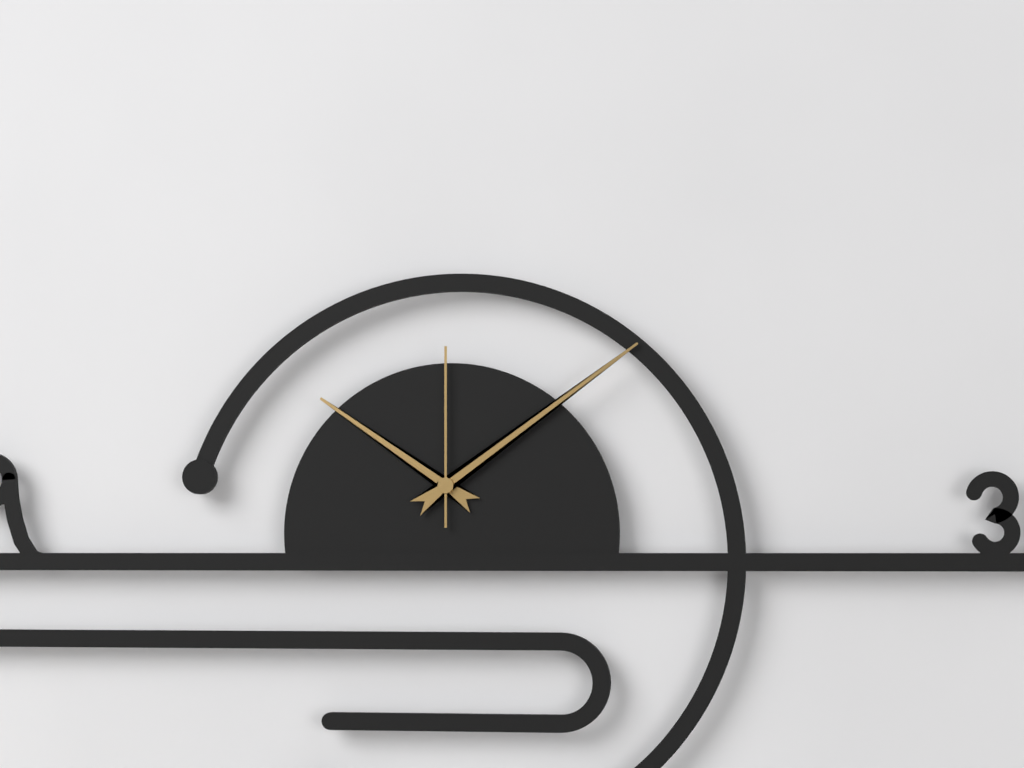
**10:09:00**
